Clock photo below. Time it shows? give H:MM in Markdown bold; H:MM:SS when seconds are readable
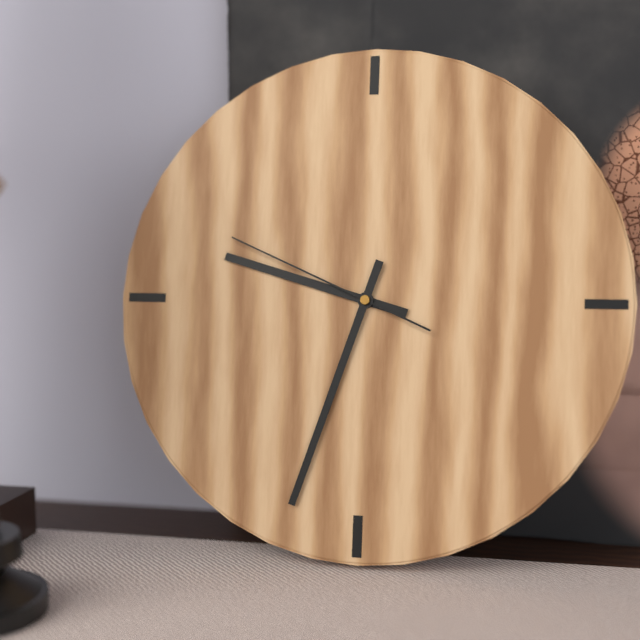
**9:33:49**
